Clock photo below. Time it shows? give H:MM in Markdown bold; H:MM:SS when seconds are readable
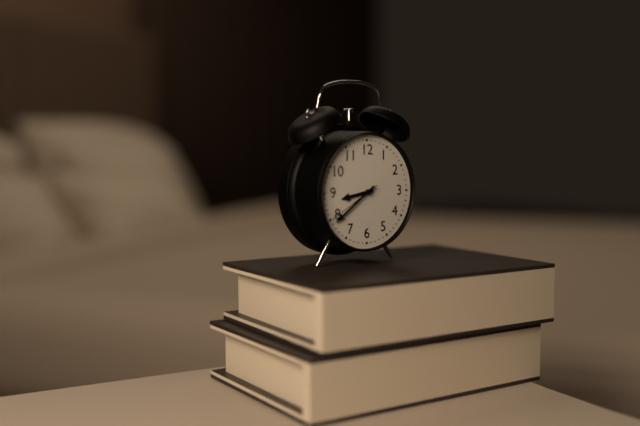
**8:39**
